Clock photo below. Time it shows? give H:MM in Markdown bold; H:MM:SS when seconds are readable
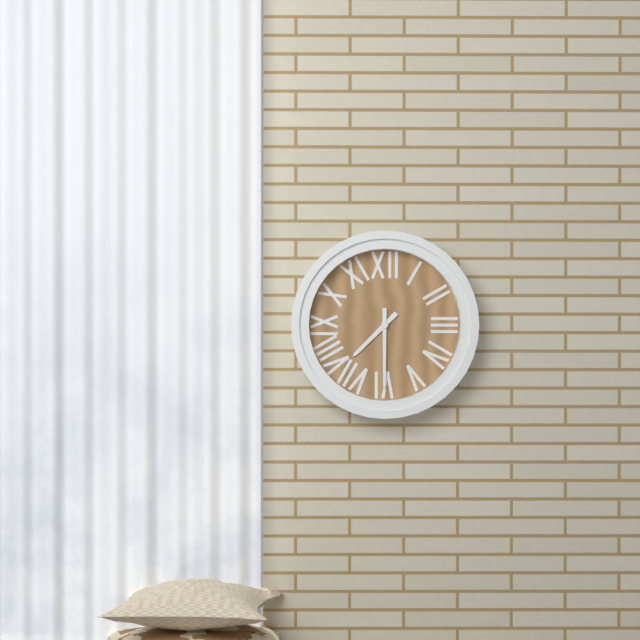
**7:30**
